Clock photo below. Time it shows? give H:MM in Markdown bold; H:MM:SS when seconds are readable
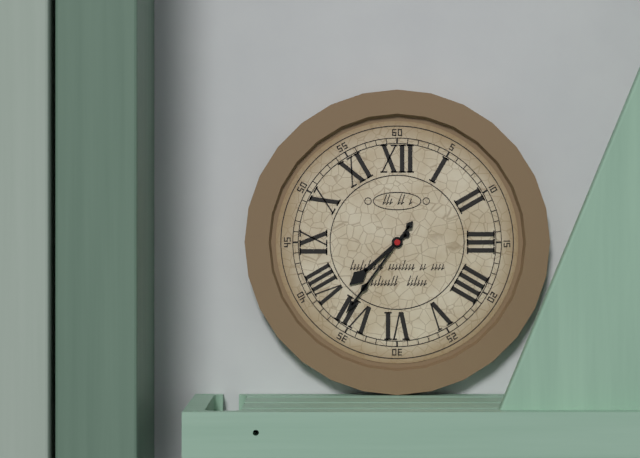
**7:36**
